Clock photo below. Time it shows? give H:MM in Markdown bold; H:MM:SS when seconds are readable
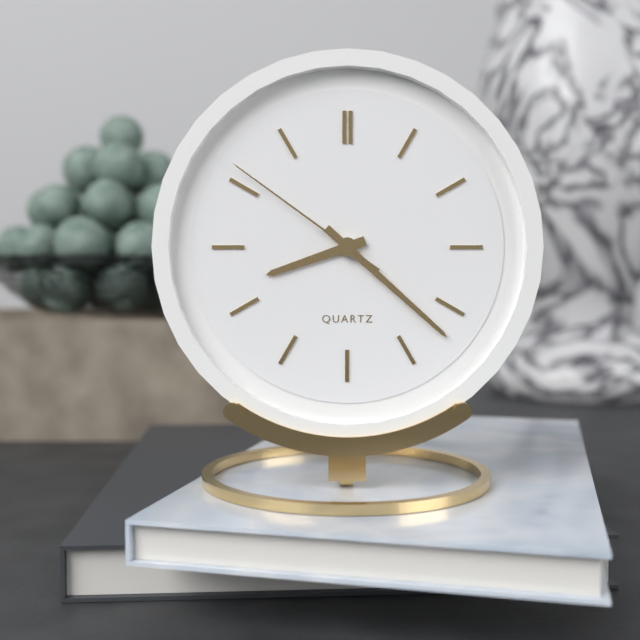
**8:22:51**
